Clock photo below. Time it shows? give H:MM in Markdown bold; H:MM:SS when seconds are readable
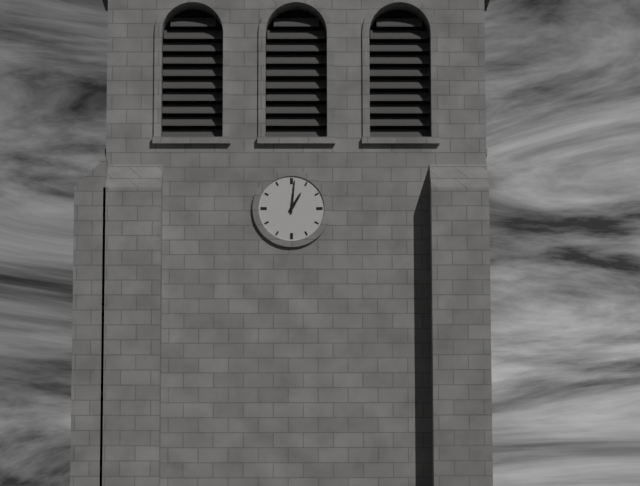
**1:01**
